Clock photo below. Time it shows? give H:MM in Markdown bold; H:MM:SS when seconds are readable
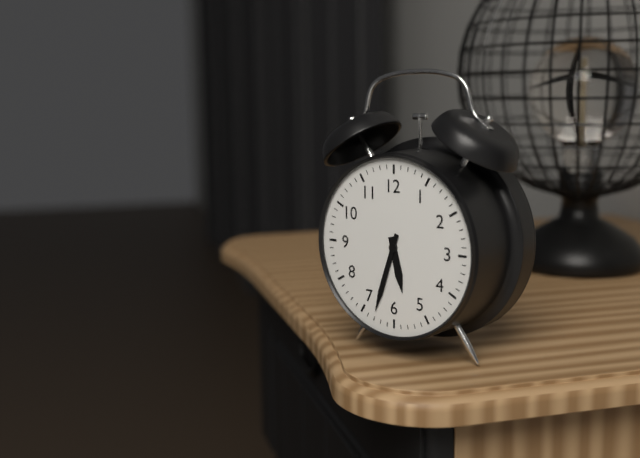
**5:33**
